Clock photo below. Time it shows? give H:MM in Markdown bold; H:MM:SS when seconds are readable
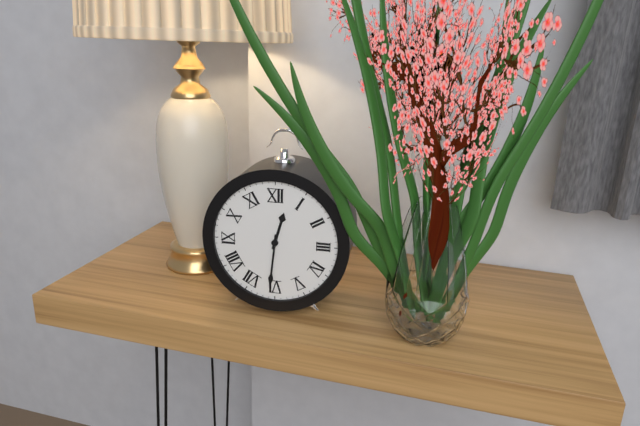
**12:31**
